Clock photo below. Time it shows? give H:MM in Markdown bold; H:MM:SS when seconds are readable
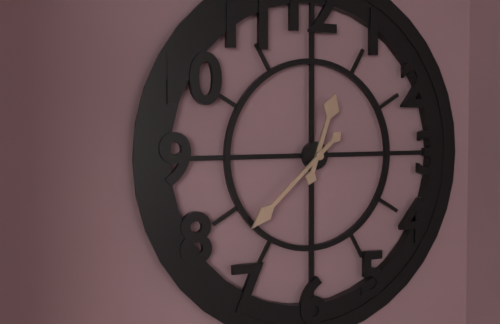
**12:38**
